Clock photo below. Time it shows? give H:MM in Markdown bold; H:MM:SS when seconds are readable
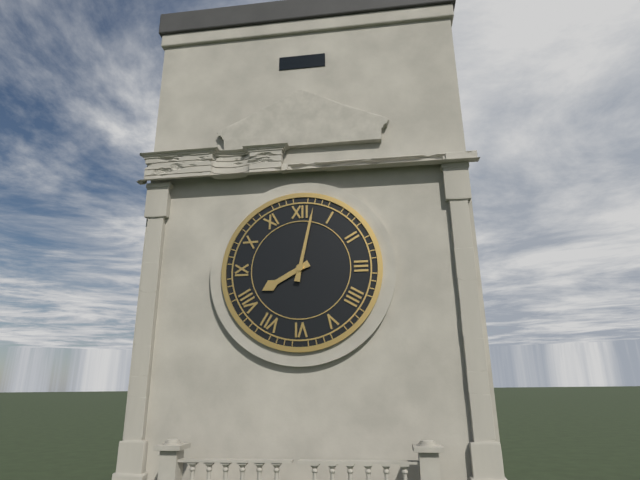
**8:02**
